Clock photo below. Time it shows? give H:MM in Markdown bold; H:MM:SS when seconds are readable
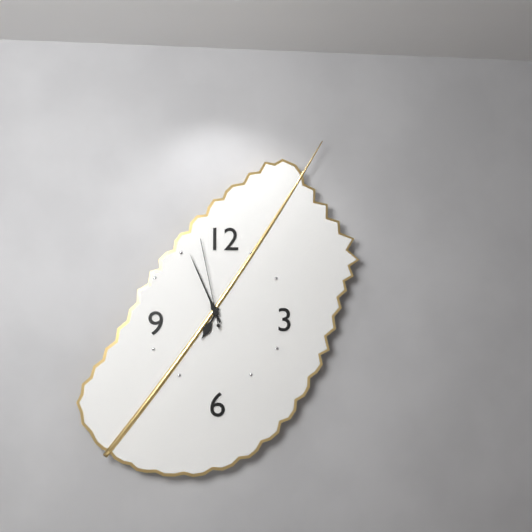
**6:56:58**
